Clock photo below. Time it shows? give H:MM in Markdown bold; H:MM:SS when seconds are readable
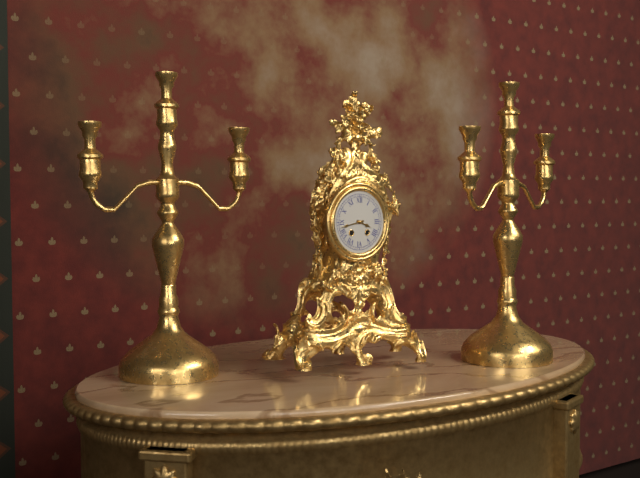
**3:43**
